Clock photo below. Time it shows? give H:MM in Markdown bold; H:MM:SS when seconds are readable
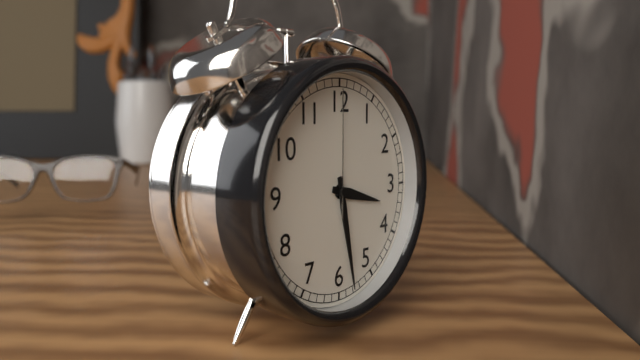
**3:28:00**
